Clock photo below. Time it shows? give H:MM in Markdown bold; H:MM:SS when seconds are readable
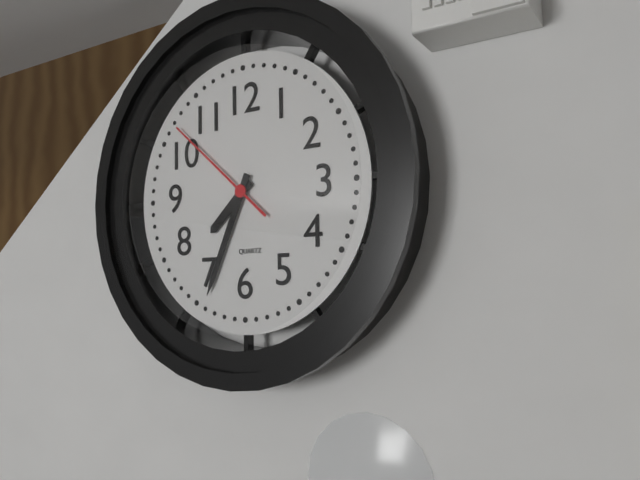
**7:34:52**
